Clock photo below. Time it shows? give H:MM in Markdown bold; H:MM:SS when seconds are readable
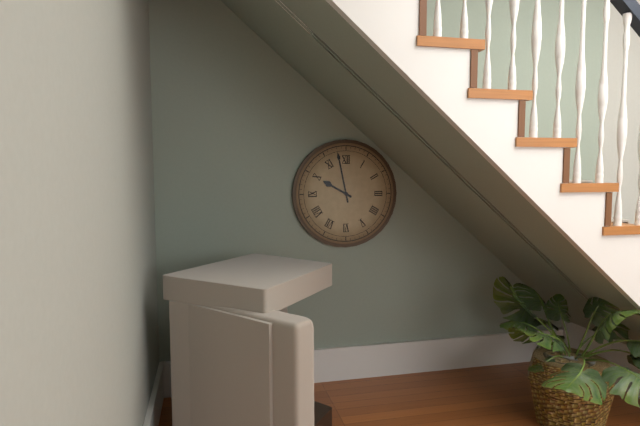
**9:58**
